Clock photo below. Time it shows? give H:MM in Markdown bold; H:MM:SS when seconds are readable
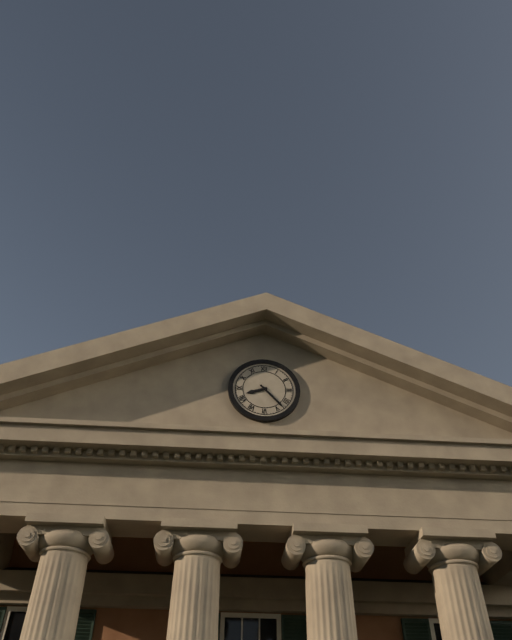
**8:23**
